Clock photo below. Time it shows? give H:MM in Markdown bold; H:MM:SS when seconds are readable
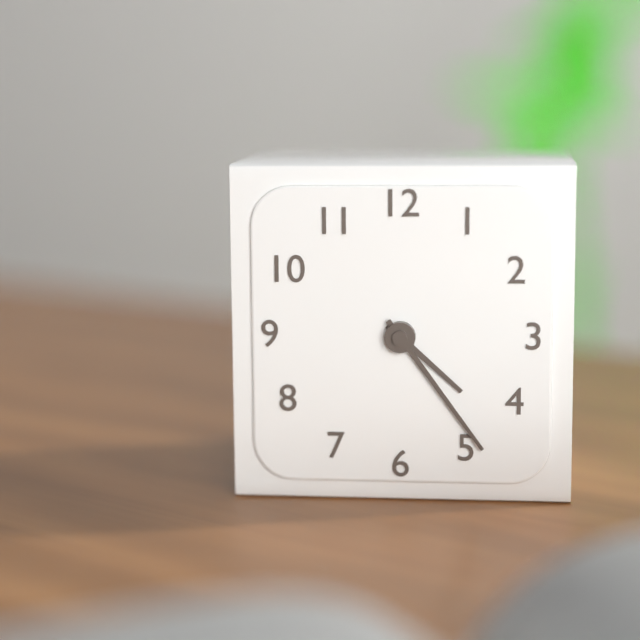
**4:24**
